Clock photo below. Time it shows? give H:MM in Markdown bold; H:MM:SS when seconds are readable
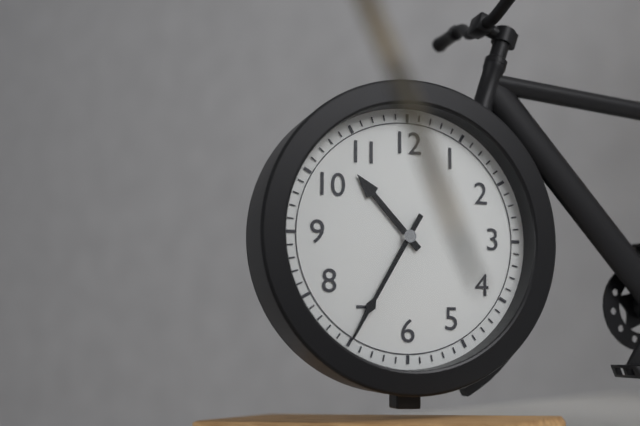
**10:35**
